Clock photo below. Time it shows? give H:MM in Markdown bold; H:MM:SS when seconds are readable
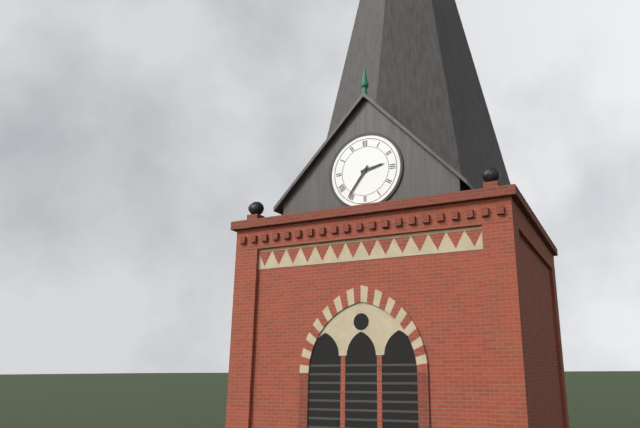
**2:36**
